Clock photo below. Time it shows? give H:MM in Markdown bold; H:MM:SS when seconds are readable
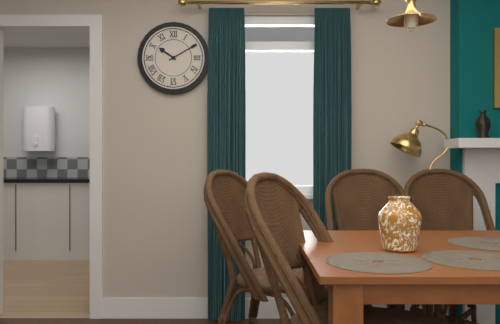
**10:10**
